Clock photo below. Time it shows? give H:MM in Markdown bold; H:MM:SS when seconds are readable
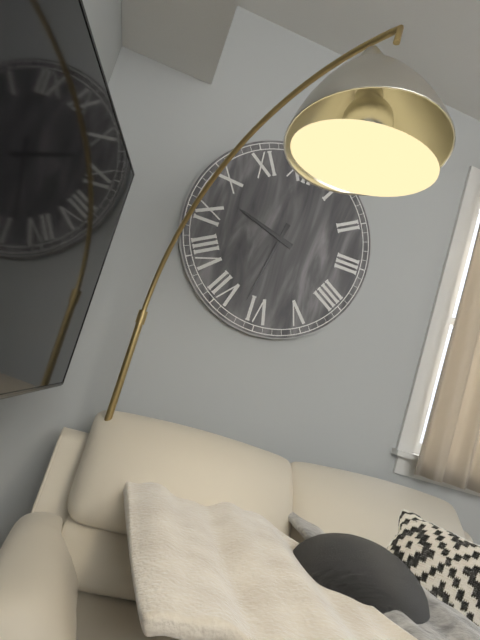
**9:32**
